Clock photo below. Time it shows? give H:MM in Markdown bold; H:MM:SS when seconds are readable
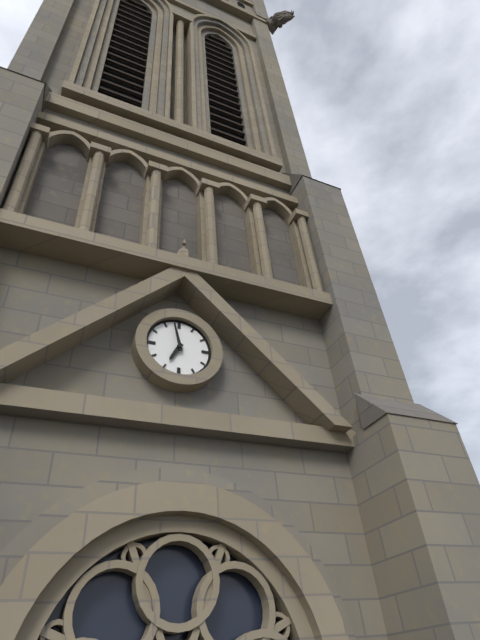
**6:58**
